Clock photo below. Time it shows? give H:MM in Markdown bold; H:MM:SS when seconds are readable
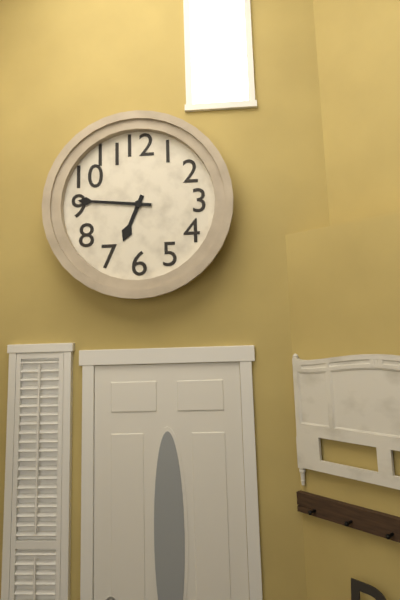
**6:46**
